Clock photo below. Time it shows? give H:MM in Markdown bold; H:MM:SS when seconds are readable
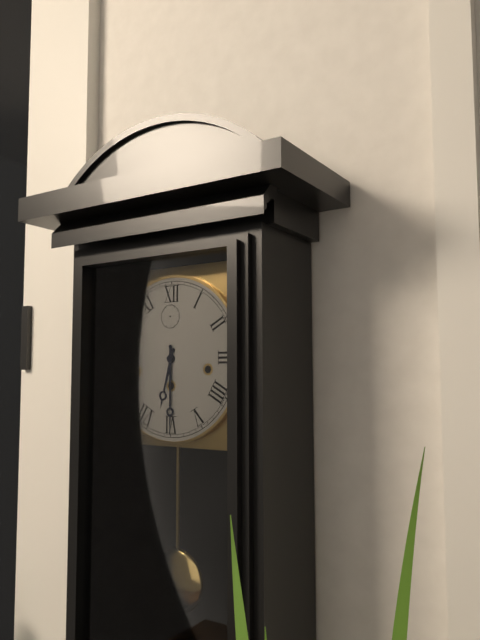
**6:30**
